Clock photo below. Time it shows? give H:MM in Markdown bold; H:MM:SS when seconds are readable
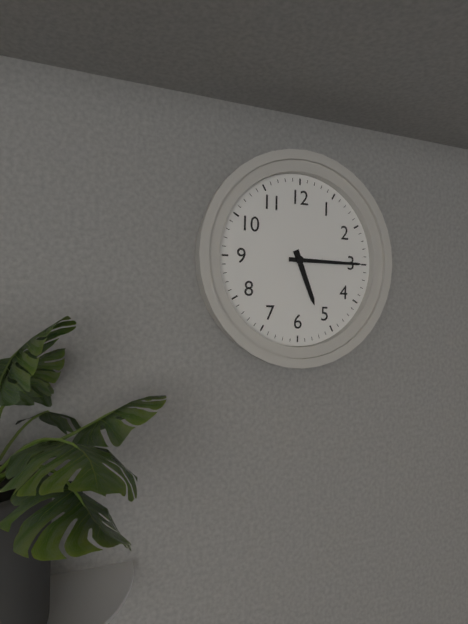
**5:15**
